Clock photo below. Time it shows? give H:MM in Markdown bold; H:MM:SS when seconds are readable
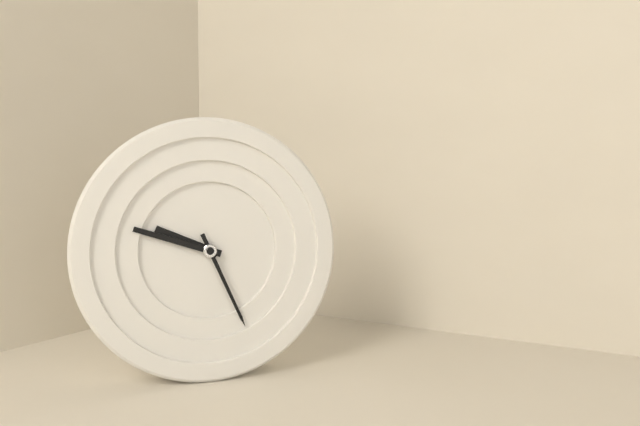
**9:48:26**
